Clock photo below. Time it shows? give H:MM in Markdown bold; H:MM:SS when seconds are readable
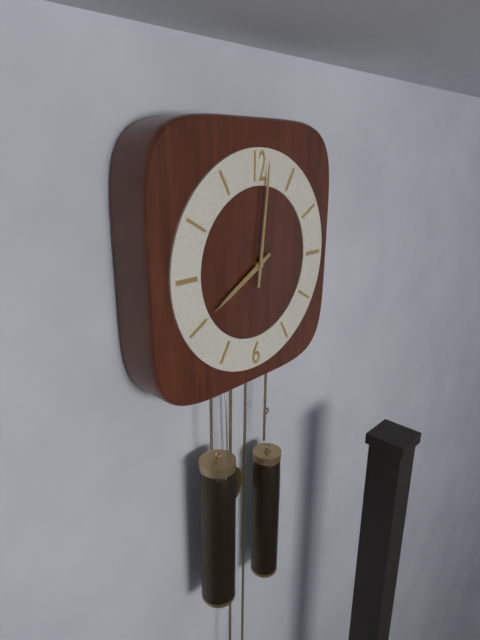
**8:01**
